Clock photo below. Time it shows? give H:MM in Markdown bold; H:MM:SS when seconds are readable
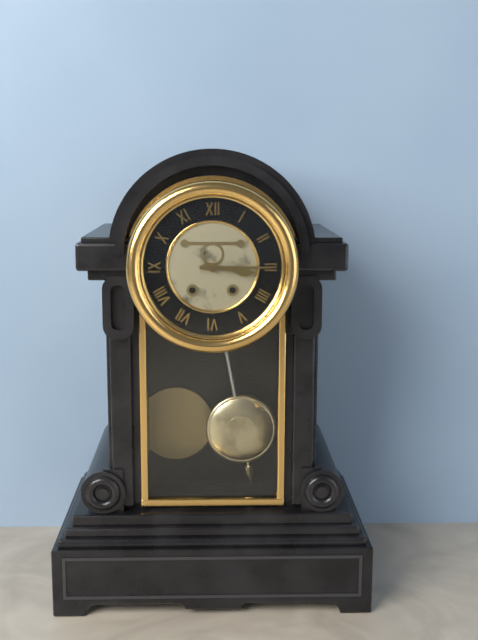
**3:15**
